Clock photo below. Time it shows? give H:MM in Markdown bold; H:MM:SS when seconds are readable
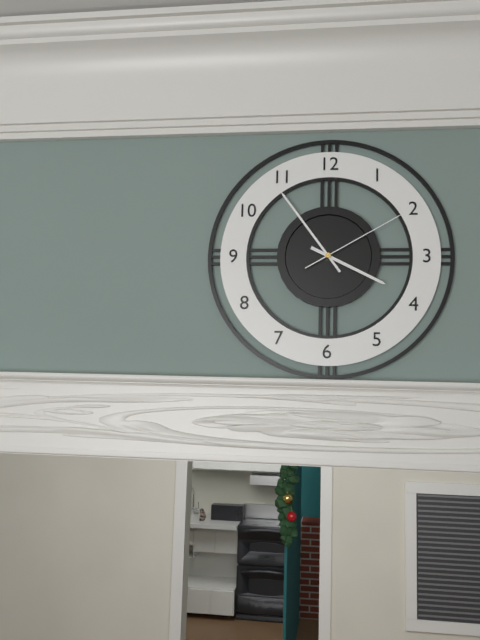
**3:54:10**
